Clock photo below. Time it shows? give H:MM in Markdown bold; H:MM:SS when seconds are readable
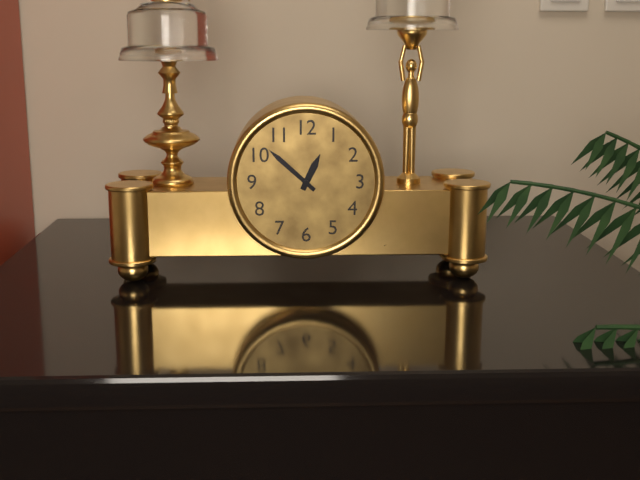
**12:52**
